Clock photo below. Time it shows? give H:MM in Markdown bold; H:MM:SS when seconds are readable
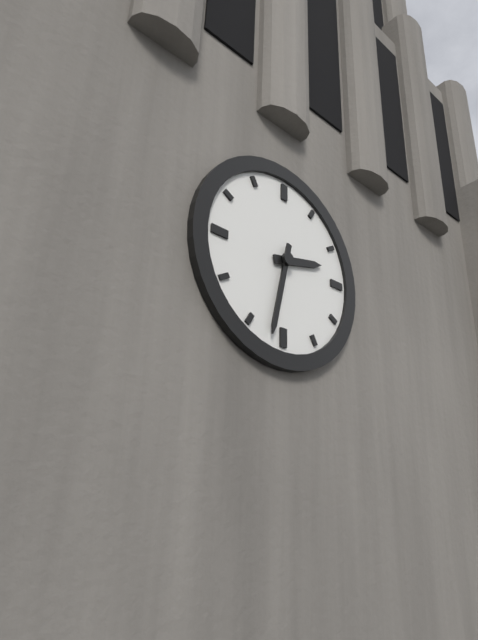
**2:32**
